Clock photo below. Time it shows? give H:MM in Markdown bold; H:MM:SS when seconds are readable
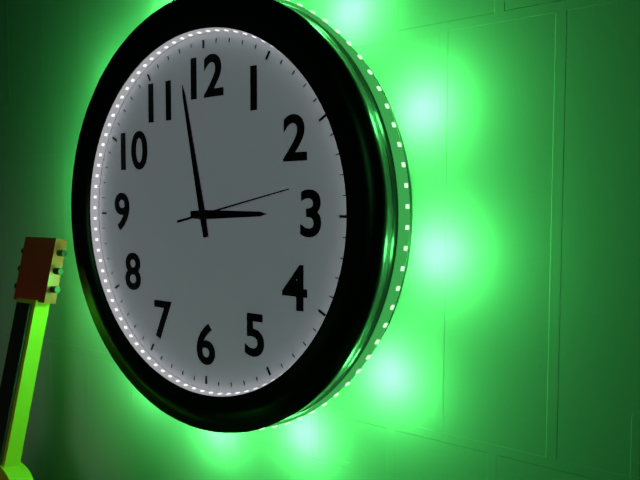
**2:58:13**
